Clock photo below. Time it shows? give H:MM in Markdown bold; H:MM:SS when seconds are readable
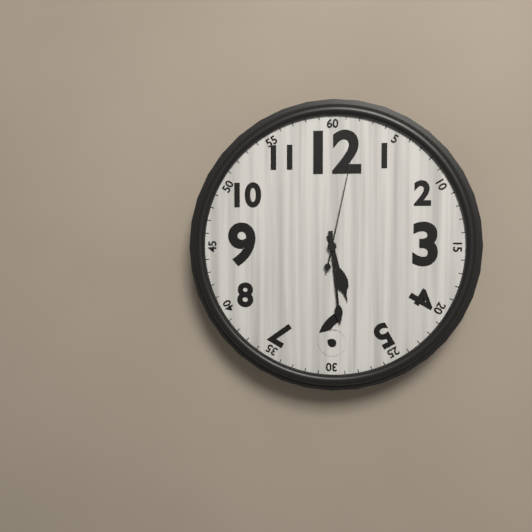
**5:29:02**
